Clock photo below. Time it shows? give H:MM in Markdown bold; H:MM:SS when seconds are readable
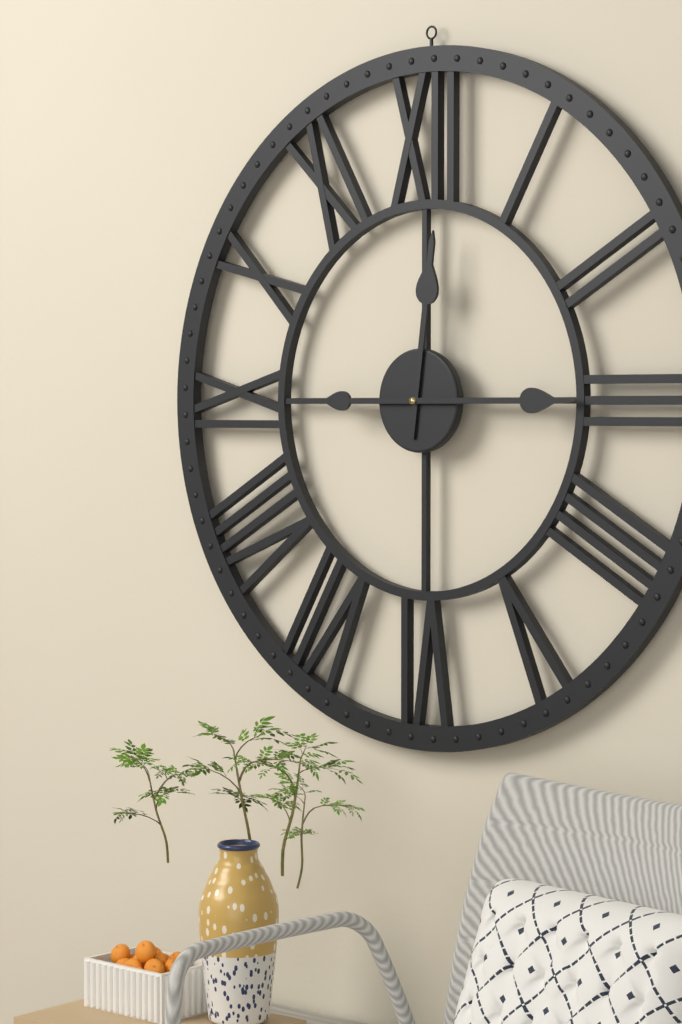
**12:15**
